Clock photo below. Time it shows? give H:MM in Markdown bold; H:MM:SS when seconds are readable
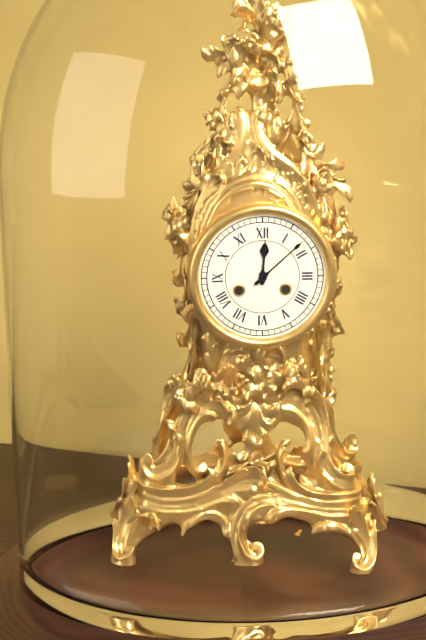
**12:08**
